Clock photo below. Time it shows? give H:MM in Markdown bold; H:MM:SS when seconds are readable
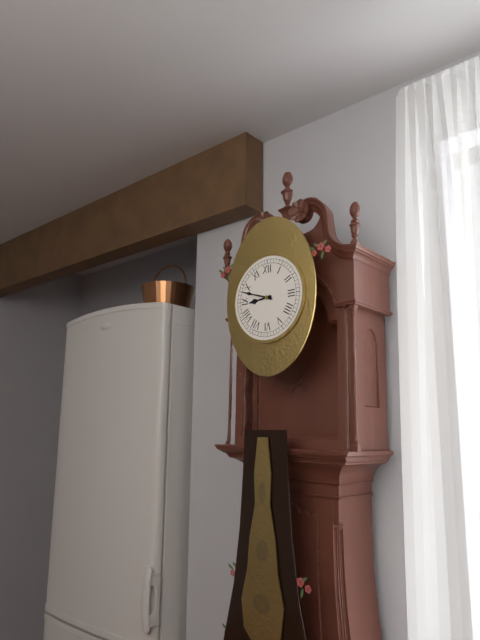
**8:48**
